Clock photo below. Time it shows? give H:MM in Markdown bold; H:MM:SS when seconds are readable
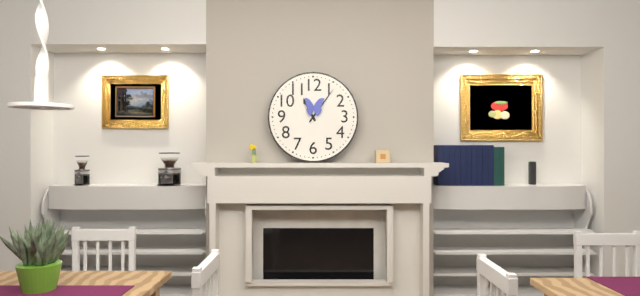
**11:06**
